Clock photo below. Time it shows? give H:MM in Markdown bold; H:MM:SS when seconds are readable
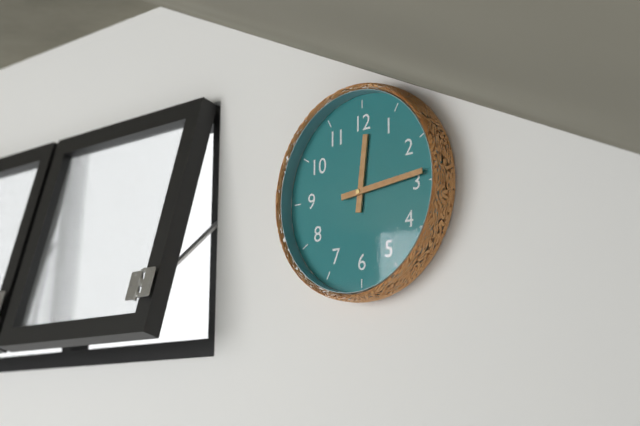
**12:14**
